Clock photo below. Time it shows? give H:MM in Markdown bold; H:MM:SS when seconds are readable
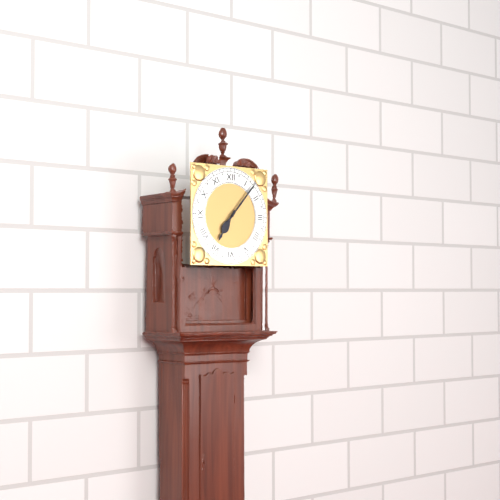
**7:07**
